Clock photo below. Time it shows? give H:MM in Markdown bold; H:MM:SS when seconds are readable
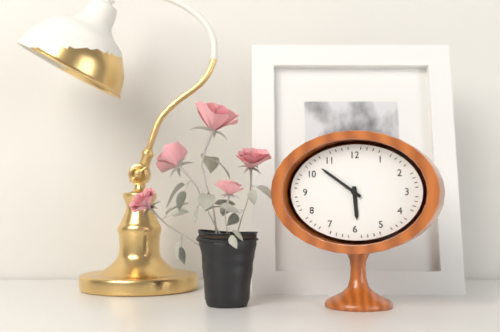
**5:51**
